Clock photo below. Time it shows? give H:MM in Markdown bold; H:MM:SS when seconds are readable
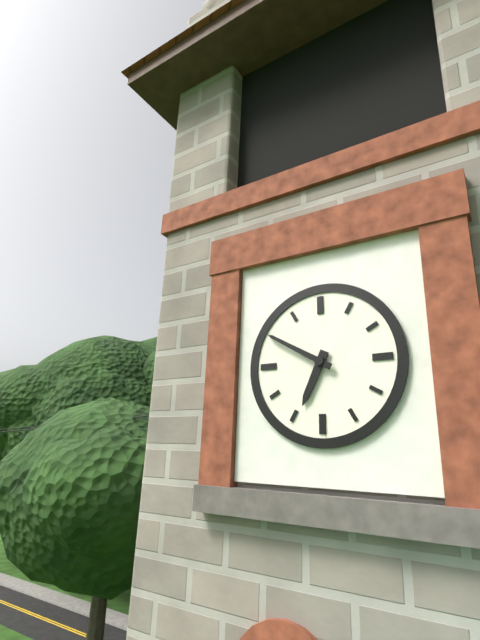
**6:50**
